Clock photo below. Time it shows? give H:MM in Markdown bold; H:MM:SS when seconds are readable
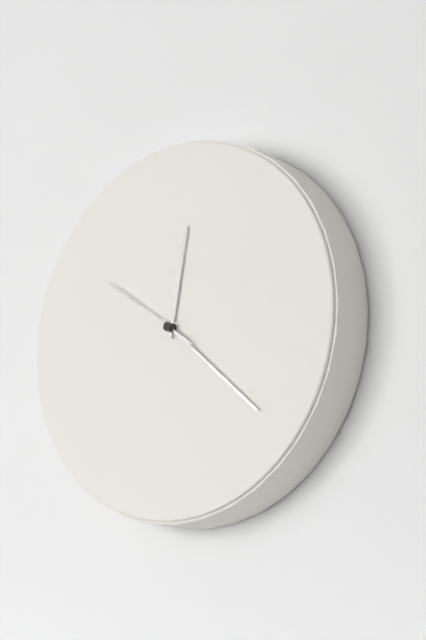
**12:22:51**
